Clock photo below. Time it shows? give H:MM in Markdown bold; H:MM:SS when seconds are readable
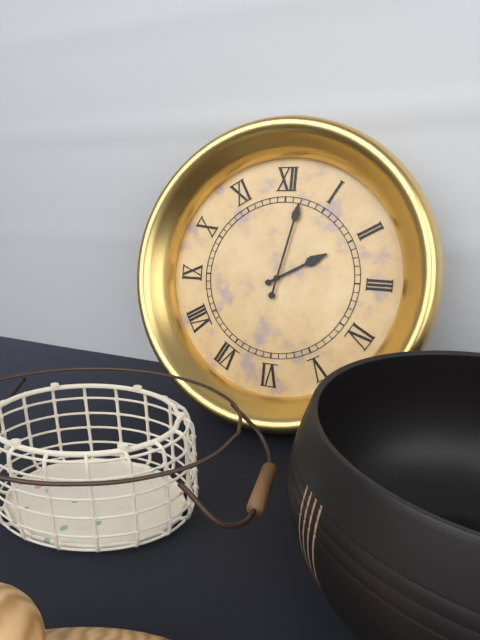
**2:02**
